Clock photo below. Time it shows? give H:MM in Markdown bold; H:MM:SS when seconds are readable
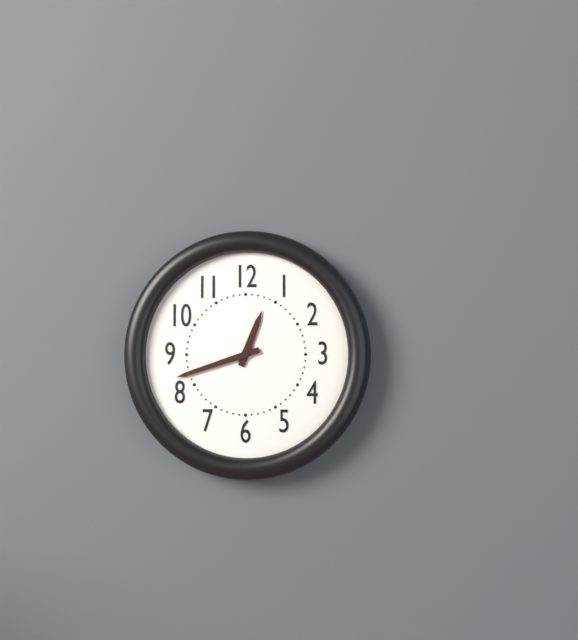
**12:42**
